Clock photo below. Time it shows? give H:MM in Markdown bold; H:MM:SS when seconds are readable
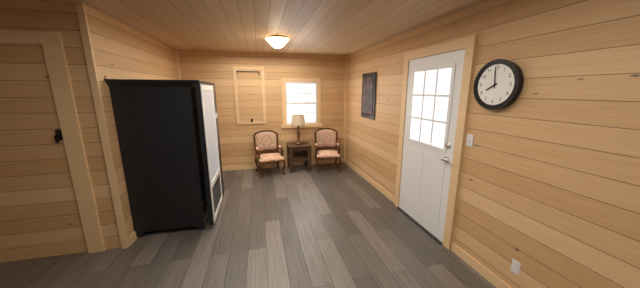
**7:59**
